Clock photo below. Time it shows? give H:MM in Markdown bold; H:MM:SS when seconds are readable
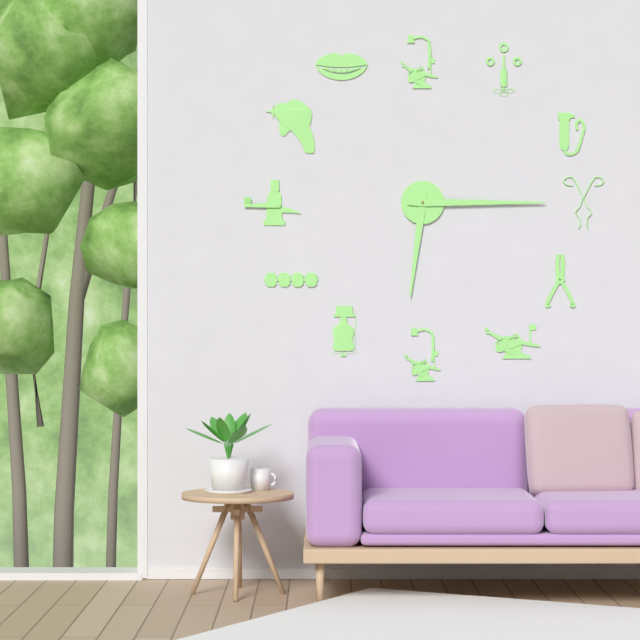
**6:15**
